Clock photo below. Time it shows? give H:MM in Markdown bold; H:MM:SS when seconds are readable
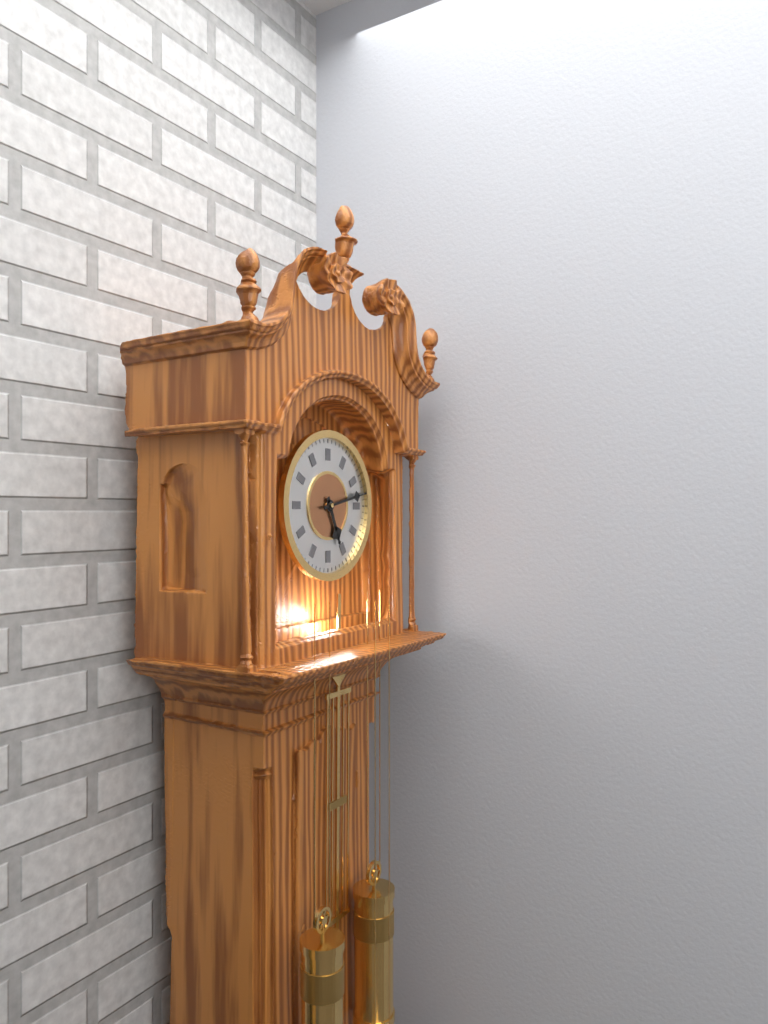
**5:13**
